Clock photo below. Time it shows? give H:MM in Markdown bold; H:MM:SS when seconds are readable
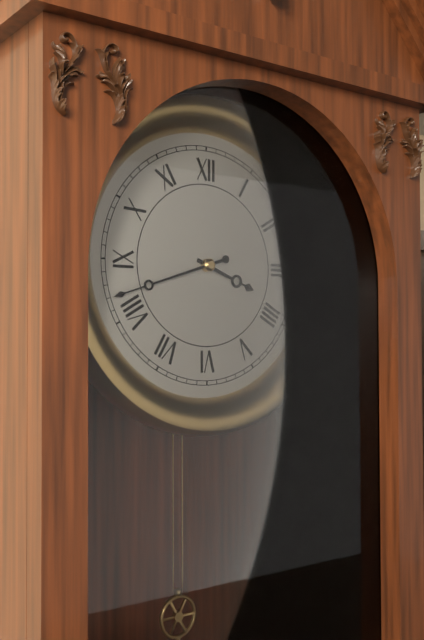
**3:42**
